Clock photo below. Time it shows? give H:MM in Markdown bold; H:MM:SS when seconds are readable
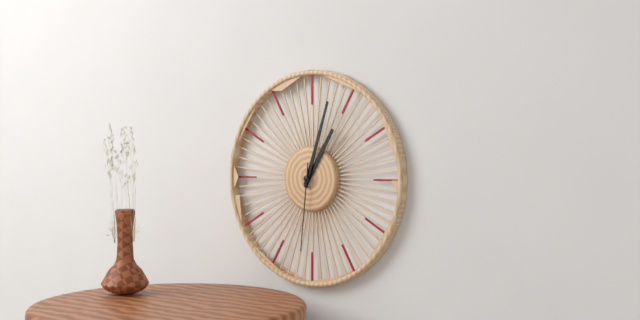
**1:03:31**
